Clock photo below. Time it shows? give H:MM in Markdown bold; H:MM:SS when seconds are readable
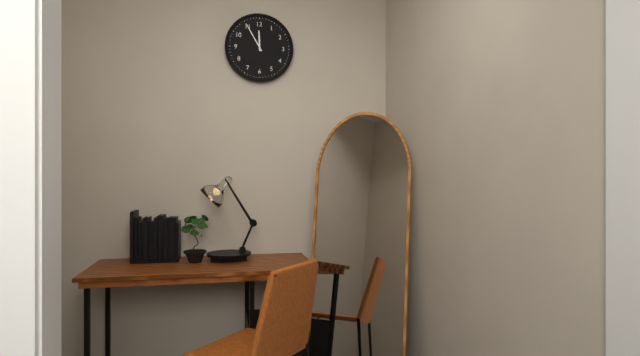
**11:55**
